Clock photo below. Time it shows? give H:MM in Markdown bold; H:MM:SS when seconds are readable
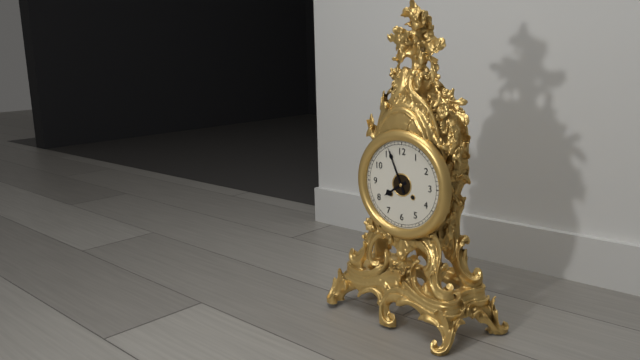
**7:56**
